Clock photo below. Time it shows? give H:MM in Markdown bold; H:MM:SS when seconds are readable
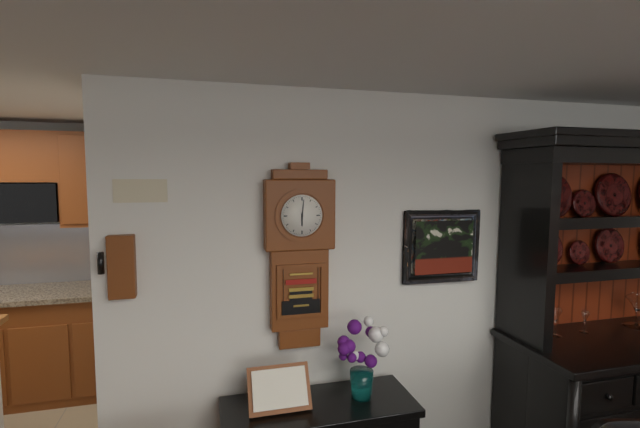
**6:01**
